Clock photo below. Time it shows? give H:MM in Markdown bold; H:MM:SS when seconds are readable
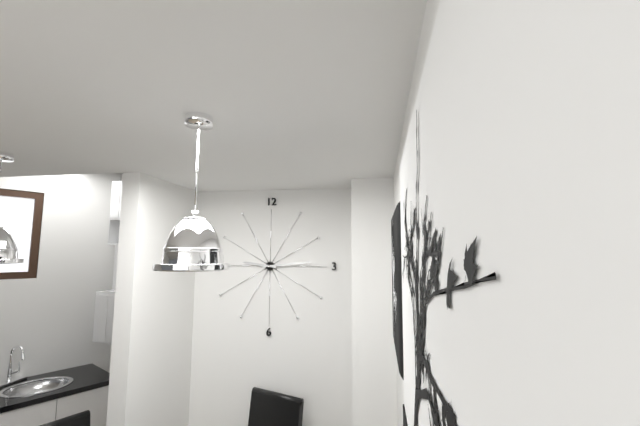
**9:14**
